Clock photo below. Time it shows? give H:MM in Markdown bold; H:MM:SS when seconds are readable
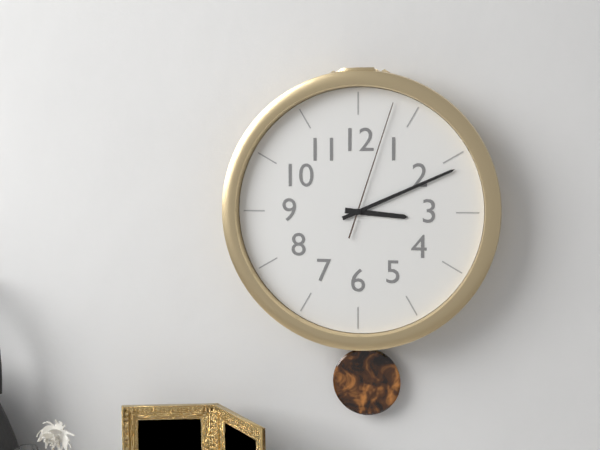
**3:11:03**
